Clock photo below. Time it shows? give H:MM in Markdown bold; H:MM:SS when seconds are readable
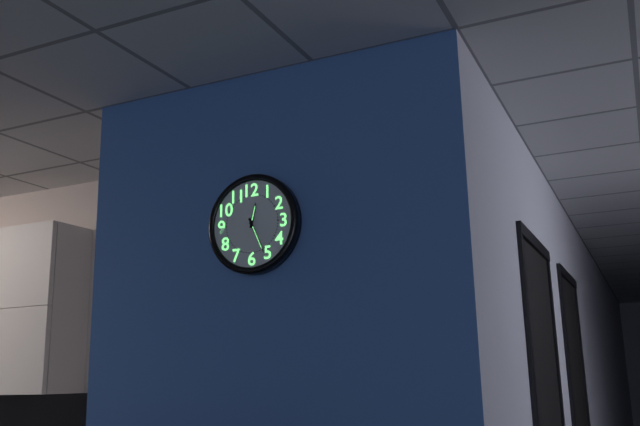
**12:26**
